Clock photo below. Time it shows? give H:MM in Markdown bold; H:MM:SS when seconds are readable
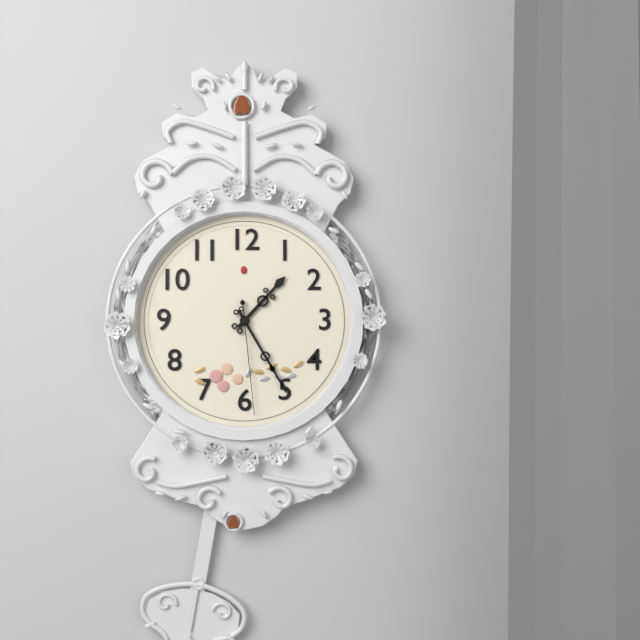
**1:25:29**
